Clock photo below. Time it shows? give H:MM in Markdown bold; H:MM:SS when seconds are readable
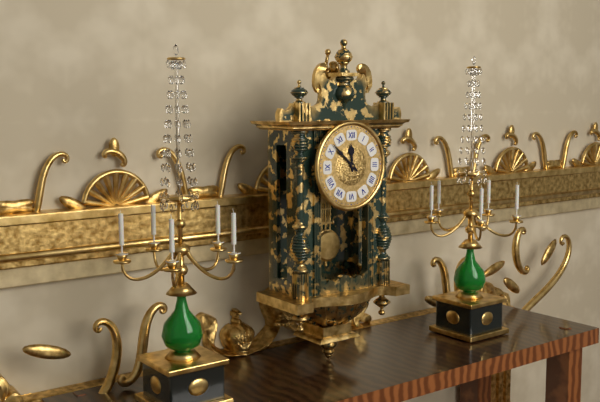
**11:52**
